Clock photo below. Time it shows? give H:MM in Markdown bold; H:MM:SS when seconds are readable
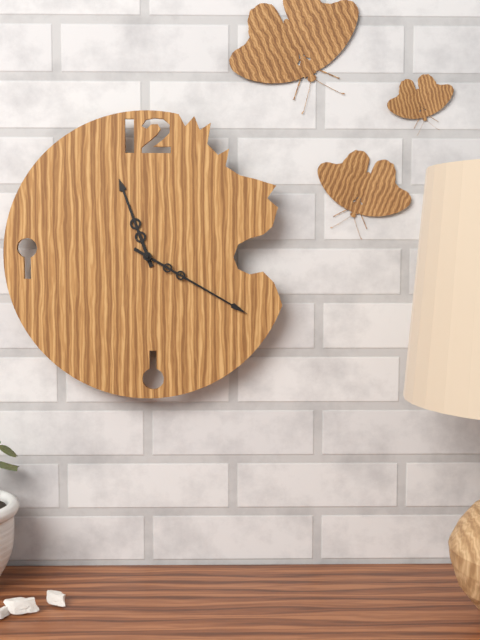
**11:20**
